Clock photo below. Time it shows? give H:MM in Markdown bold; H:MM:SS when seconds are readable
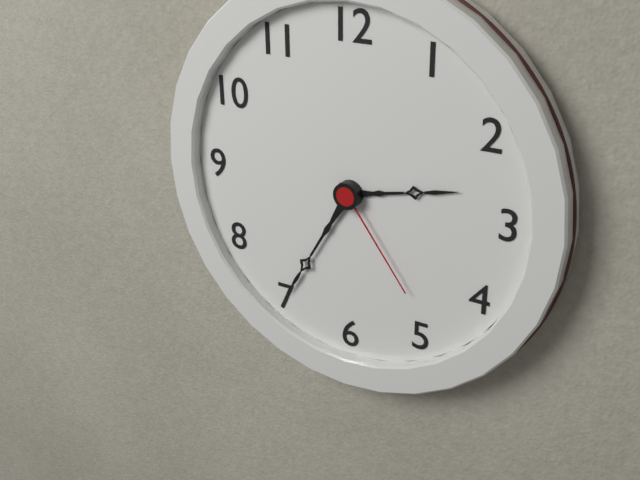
**2:35:24**
